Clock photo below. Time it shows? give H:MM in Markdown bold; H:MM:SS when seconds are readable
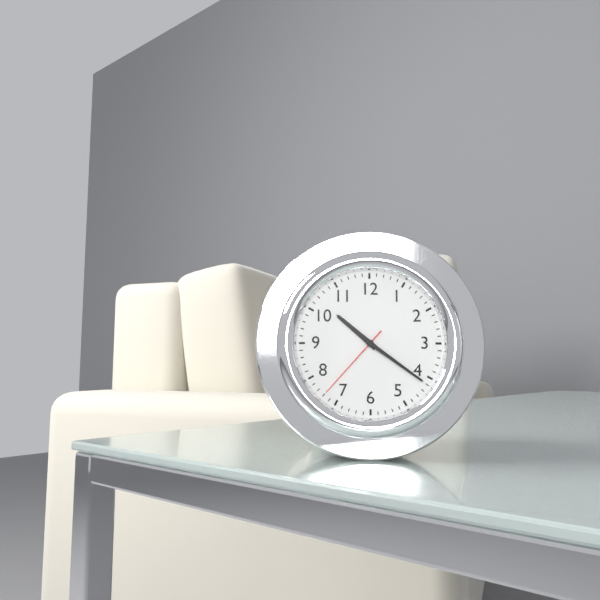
**10:21:37**
